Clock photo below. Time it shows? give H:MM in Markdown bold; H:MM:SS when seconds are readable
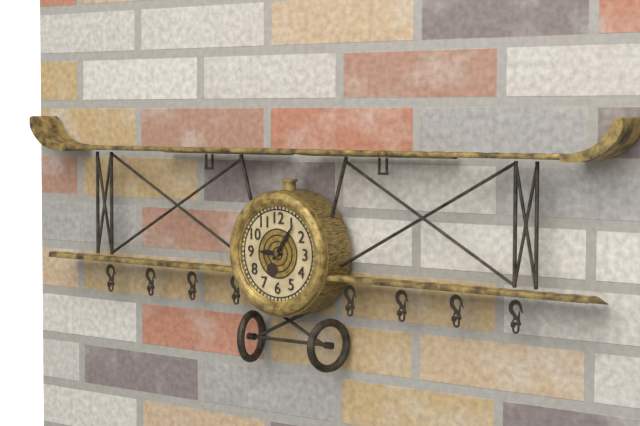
**9:06**
